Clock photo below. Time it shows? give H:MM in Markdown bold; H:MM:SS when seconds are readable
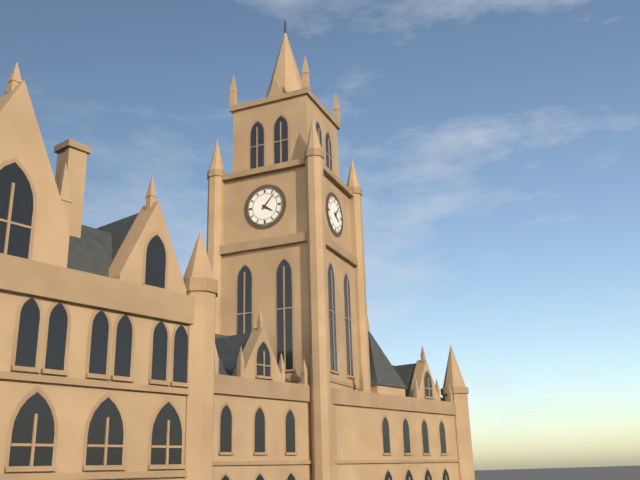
**4:07**
